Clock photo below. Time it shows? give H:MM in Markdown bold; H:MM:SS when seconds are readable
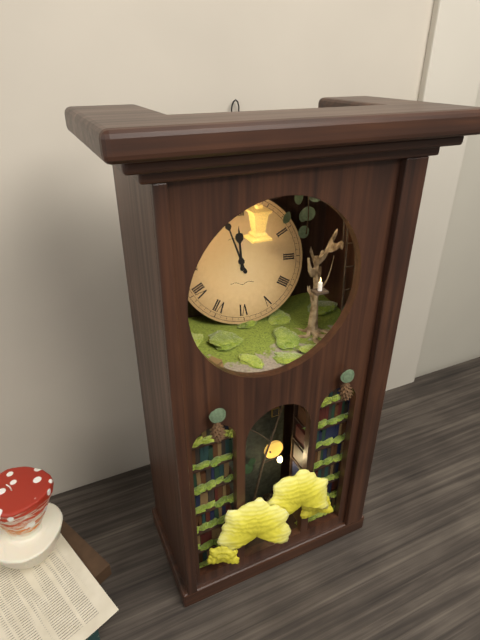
**11:57**
